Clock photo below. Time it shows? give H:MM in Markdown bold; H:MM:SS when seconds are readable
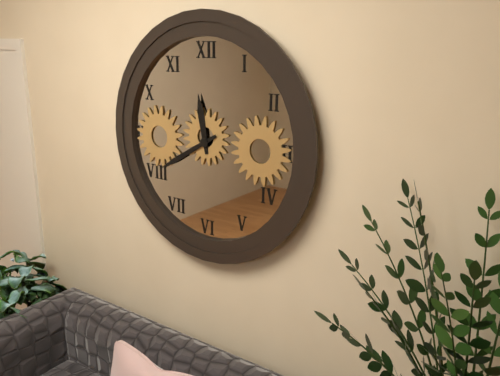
**11:40**
